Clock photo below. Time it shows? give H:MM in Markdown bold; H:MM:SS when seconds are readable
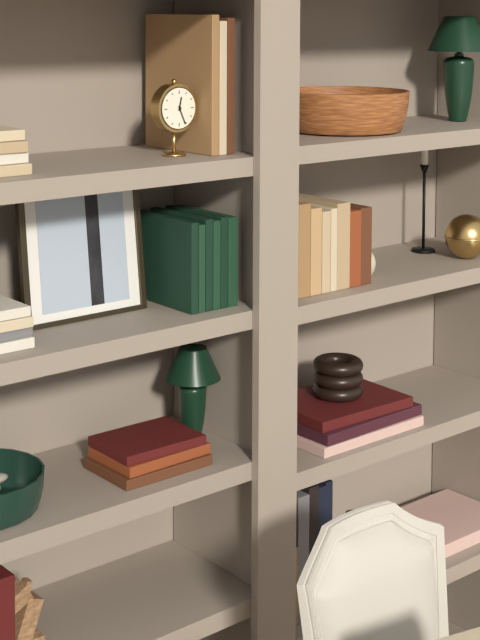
**12:26**
